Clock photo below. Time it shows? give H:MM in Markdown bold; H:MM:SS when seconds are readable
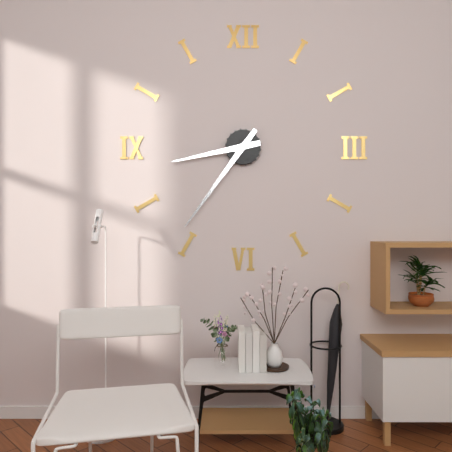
**8:36**
